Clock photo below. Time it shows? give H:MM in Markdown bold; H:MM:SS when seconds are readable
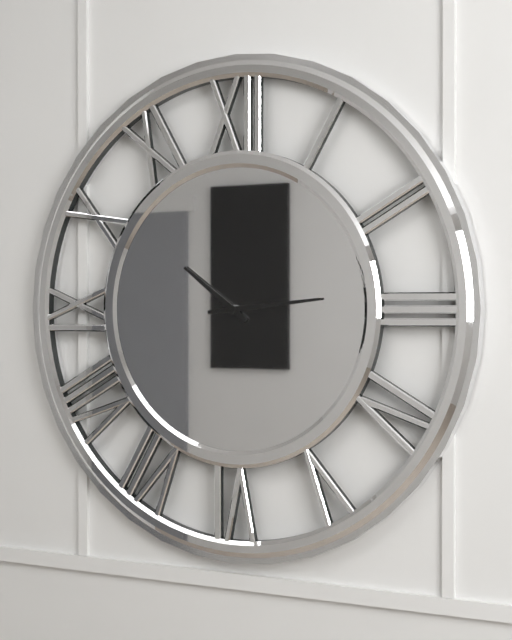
**10:14**
